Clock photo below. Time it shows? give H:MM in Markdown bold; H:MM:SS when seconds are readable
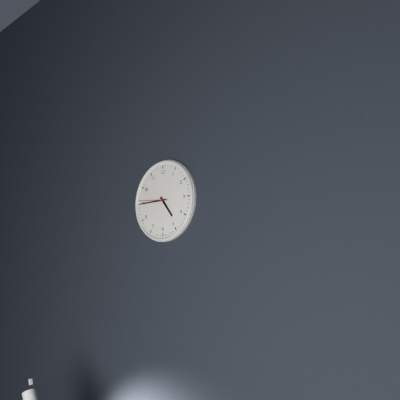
**4:45**
